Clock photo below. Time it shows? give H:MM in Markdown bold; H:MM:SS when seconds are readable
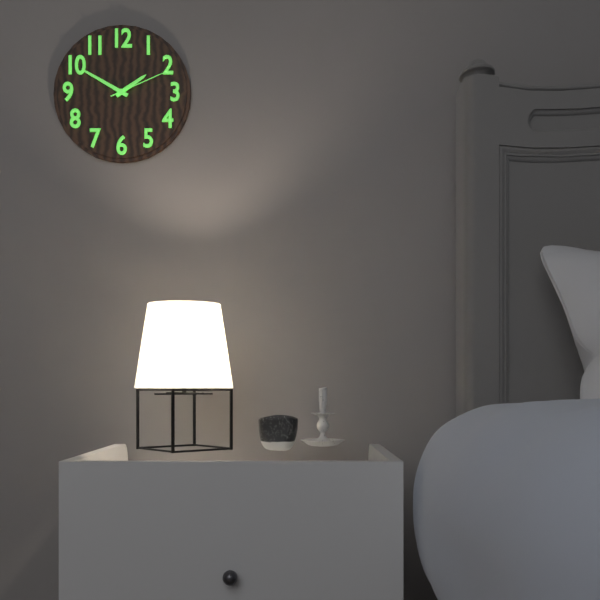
**1:50:11**
